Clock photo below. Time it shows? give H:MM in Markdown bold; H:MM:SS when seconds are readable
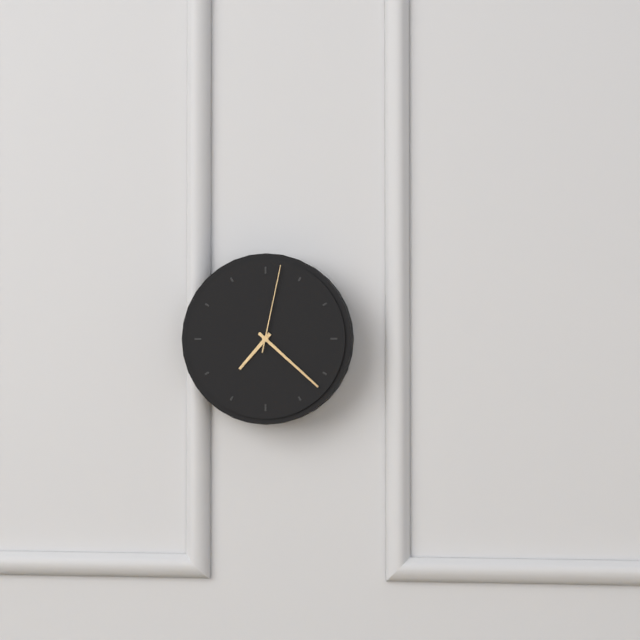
**7:22:02**
